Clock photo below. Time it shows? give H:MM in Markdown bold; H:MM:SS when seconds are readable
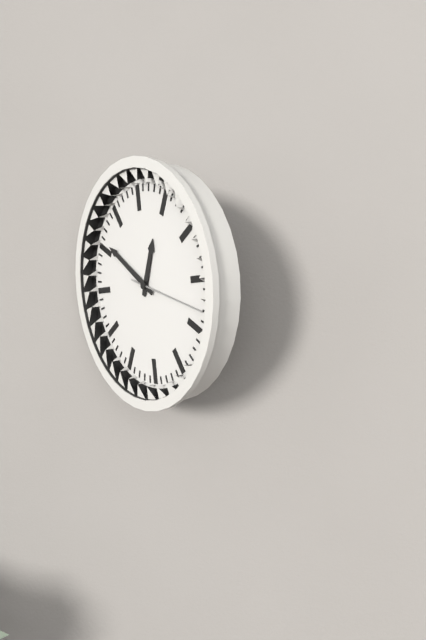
**12:51:18**
